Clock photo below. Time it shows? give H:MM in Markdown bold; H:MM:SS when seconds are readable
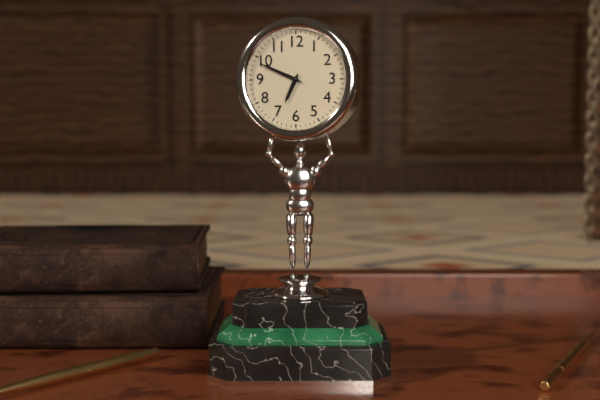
**6:49**
